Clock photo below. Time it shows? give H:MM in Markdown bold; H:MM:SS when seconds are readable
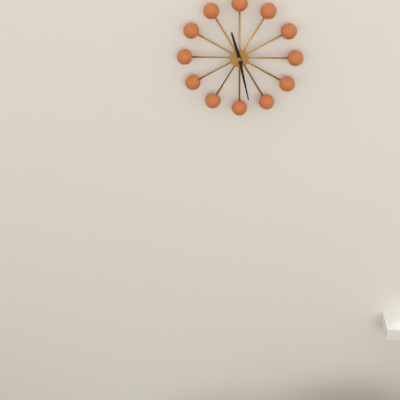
**11:28**
